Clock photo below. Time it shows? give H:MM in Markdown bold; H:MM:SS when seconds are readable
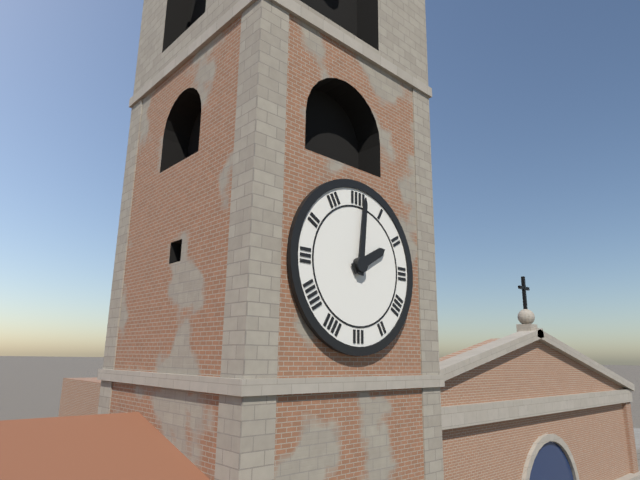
**2:01**
